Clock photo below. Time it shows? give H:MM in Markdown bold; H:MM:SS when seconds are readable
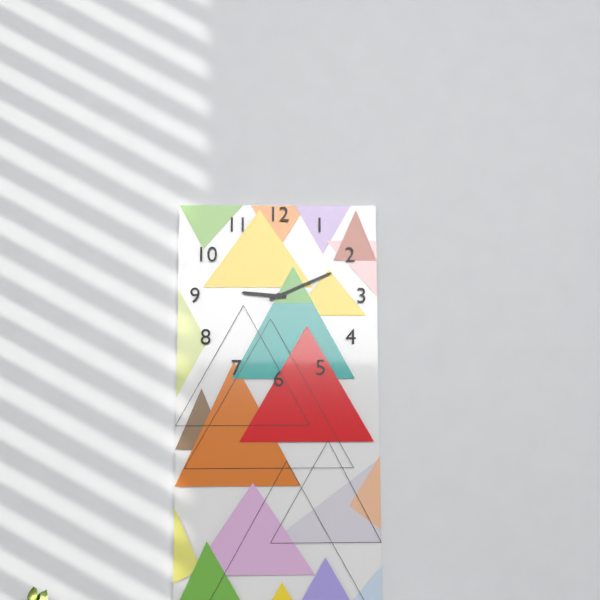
**9:11**
